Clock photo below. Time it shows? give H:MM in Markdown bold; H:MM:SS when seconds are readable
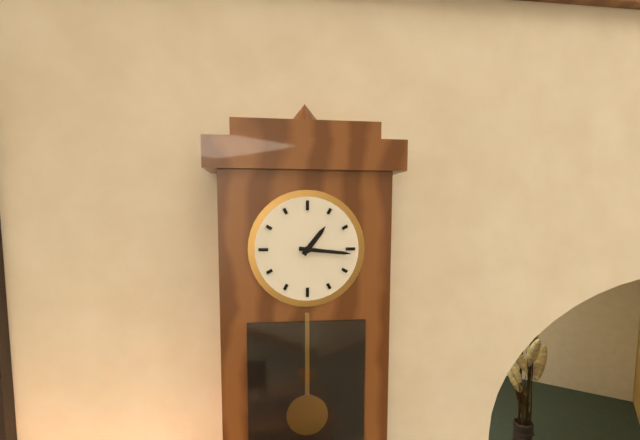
**1:16**
